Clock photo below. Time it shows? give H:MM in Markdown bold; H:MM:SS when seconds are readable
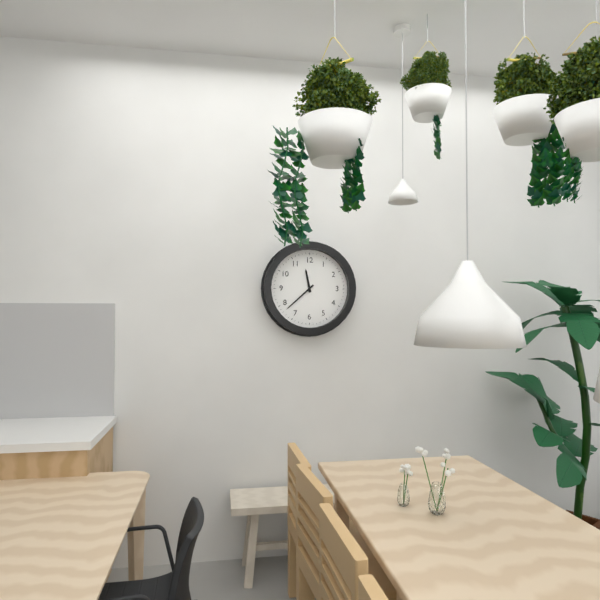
**11:38**
